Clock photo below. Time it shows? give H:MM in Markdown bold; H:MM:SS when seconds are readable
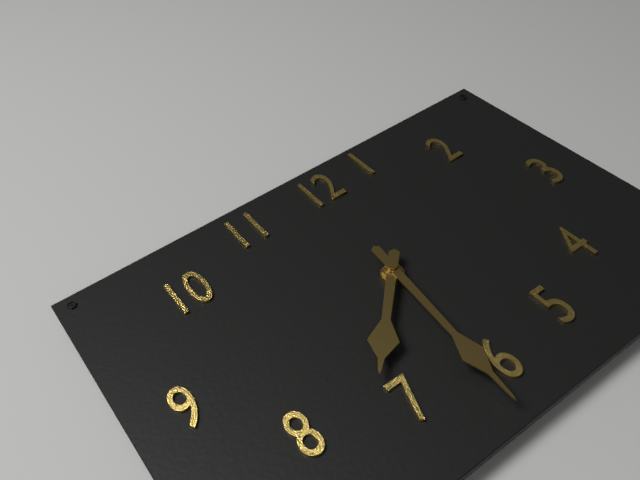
**7:31**
